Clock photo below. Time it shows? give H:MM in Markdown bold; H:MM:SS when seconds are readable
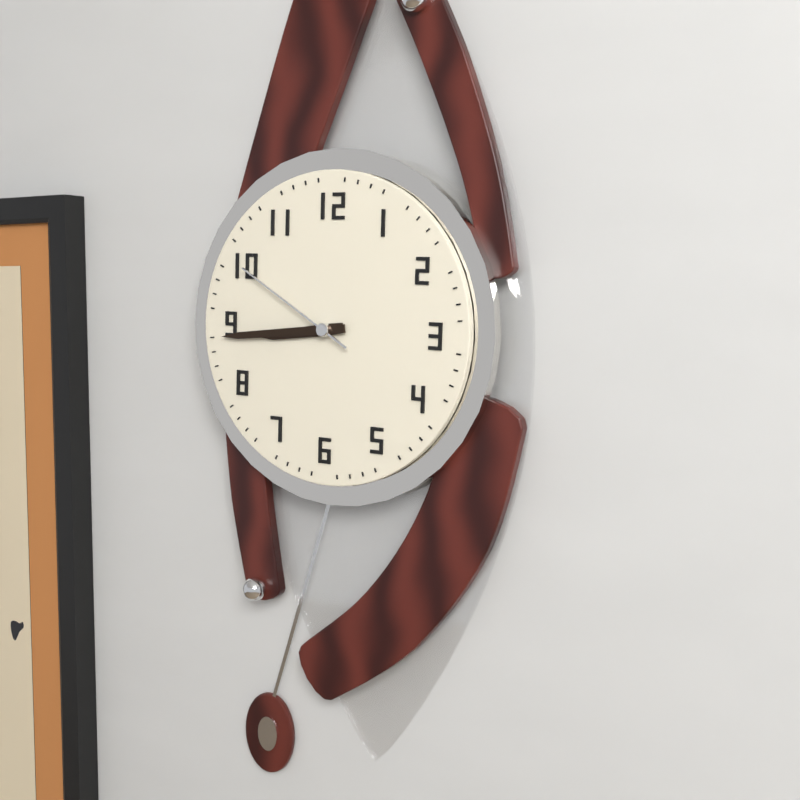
**8:44:50**
